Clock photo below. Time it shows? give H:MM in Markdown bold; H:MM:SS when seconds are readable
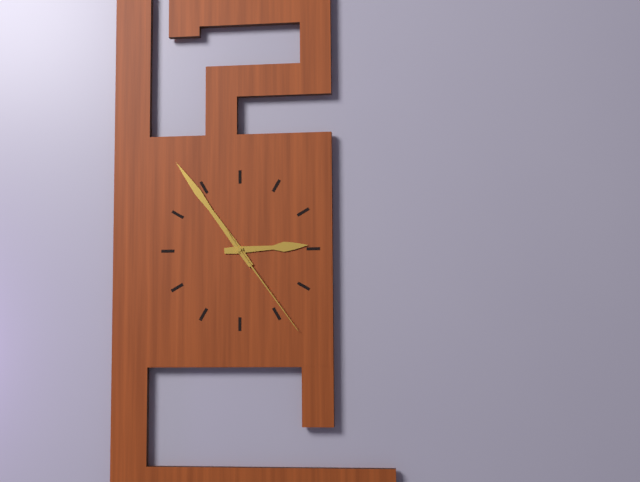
**2:54:24**
